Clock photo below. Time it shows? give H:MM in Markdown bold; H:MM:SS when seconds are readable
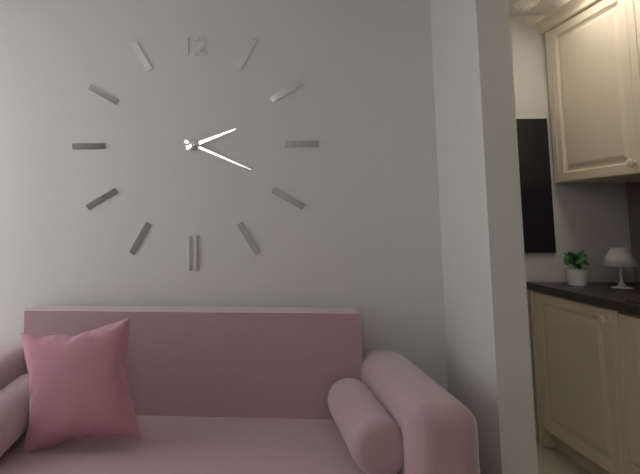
**2:19**
